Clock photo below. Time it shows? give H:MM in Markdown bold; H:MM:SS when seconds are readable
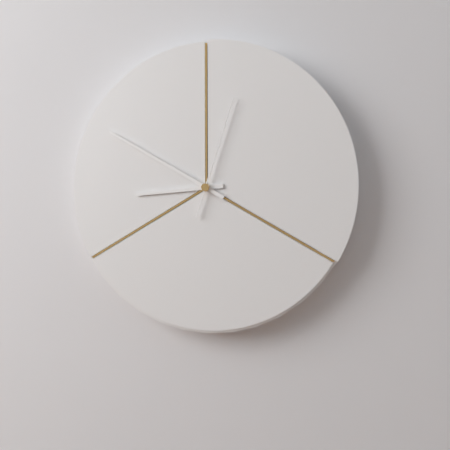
**8:50:03**
